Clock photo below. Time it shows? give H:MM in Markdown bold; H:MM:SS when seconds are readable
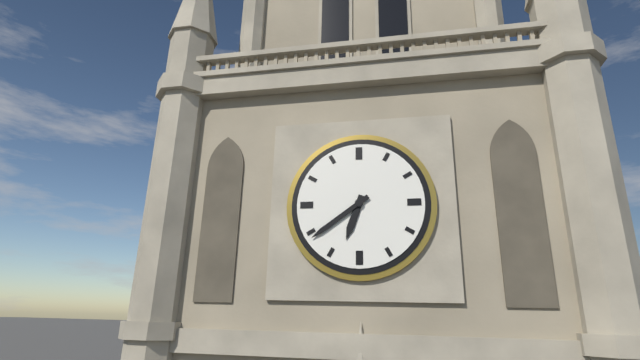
**6:39**
